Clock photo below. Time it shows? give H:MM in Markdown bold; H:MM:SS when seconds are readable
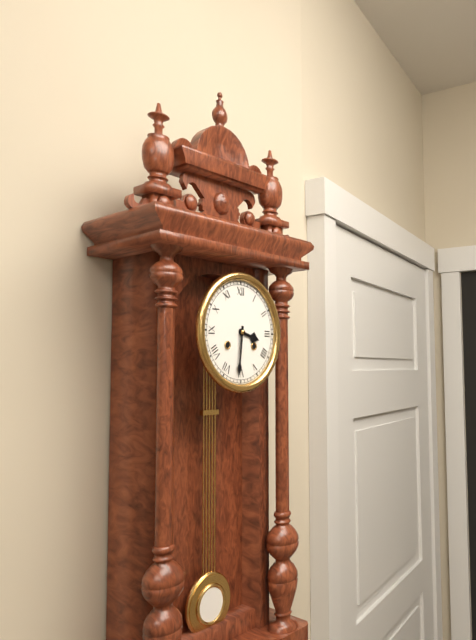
**3:31**
